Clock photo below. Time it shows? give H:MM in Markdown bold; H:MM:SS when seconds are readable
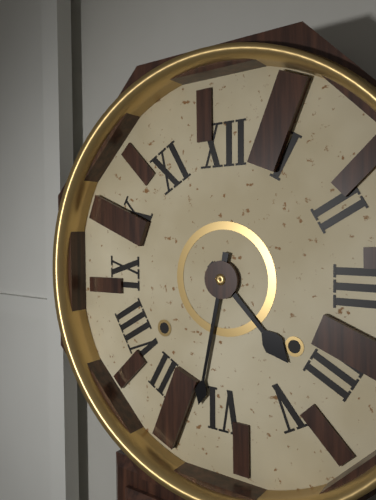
**4:32**
